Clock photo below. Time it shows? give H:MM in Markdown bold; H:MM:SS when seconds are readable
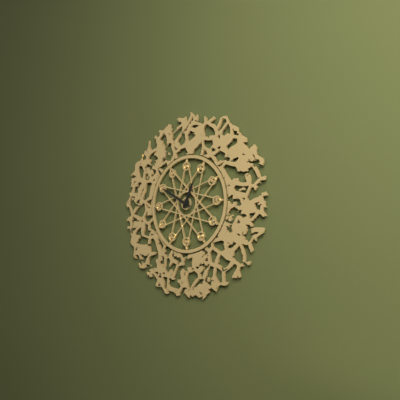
**12:50**
